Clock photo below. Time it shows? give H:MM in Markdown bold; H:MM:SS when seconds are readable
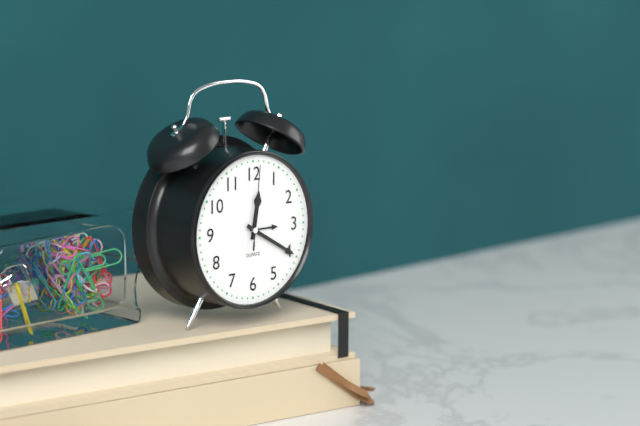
**12:20:01**
